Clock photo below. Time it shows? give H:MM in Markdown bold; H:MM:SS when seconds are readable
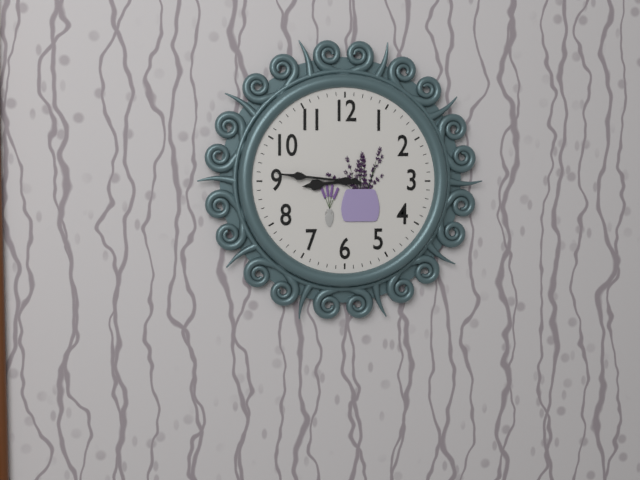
**8:46**
